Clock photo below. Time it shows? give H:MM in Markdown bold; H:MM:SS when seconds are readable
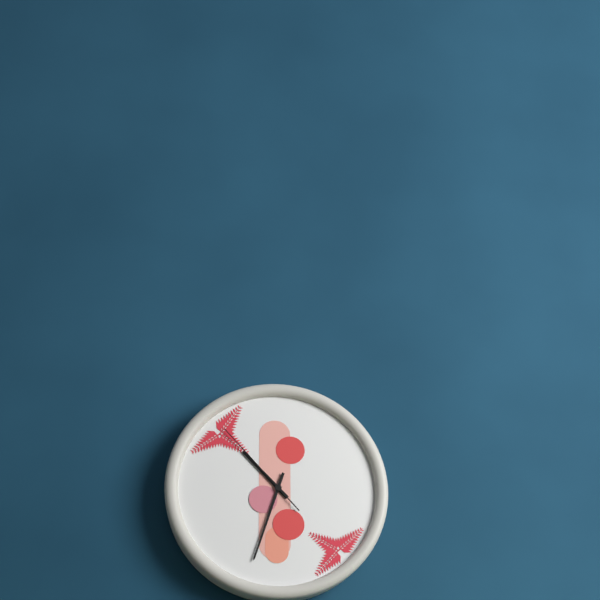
**10:33:53**
